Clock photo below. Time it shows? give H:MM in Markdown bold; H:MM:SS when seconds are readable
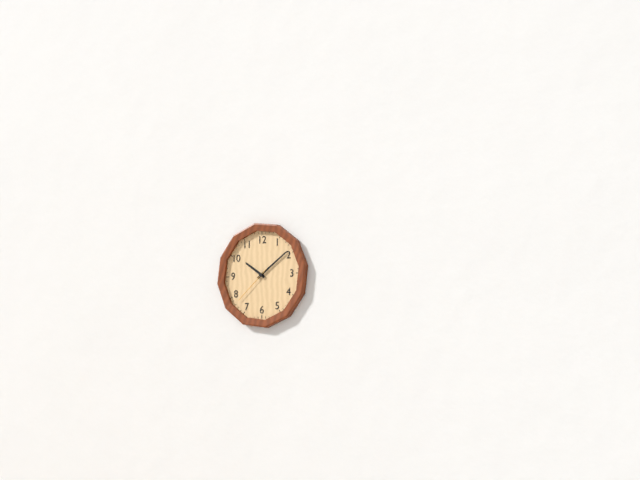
**10:09**
